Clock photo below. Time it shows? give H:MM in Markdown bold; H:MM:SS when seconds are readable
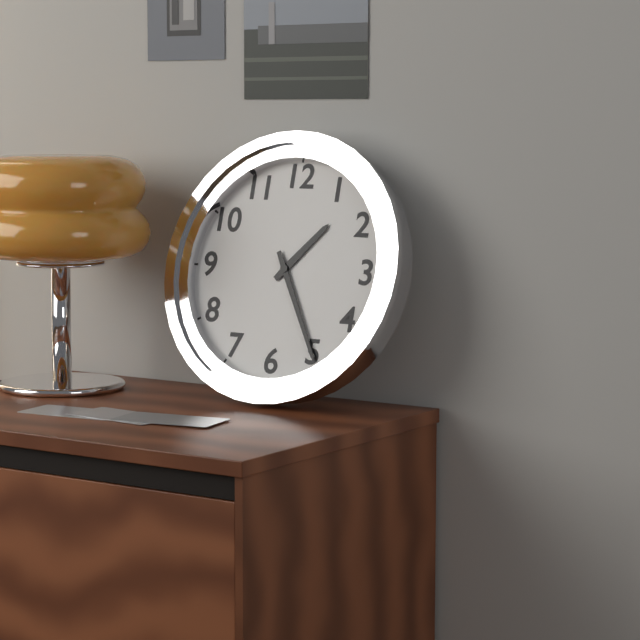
**1:25**
